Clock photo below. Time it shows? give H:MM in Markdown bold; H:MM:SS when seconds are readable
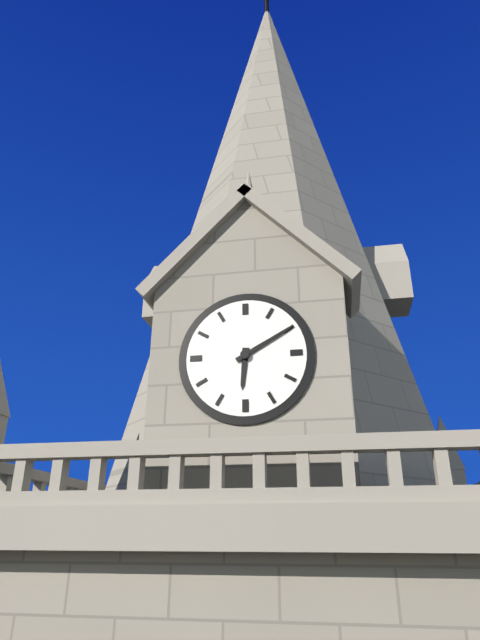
**6:10**
